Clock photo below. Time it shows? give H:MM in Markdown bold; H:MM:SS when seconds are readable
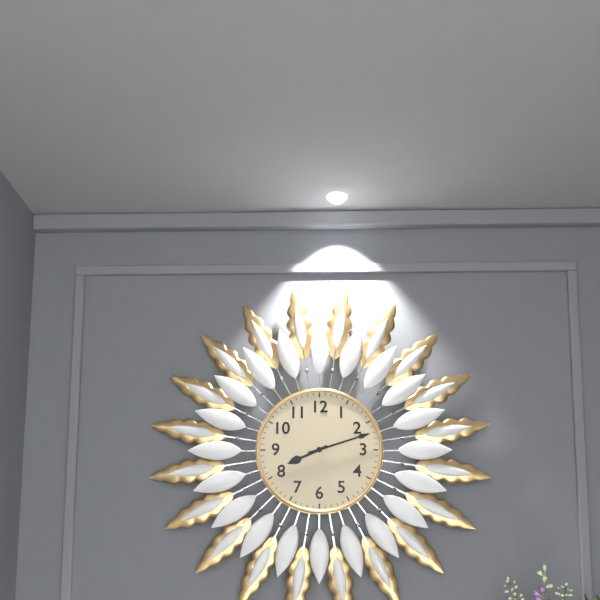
**8:12**
